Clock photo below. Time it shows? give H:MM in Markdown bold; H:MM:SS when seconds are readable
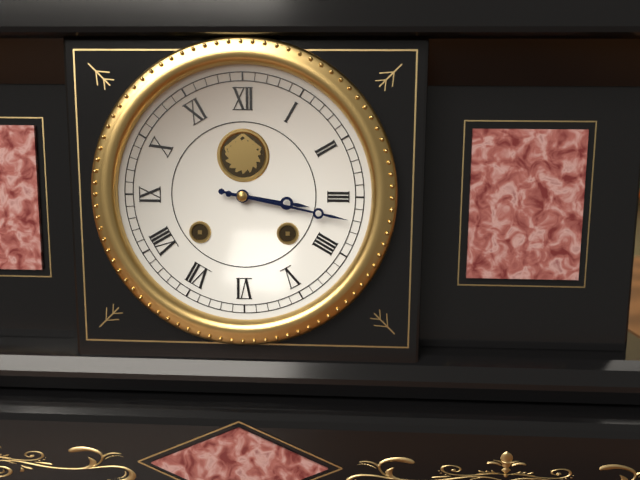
**3:17**
